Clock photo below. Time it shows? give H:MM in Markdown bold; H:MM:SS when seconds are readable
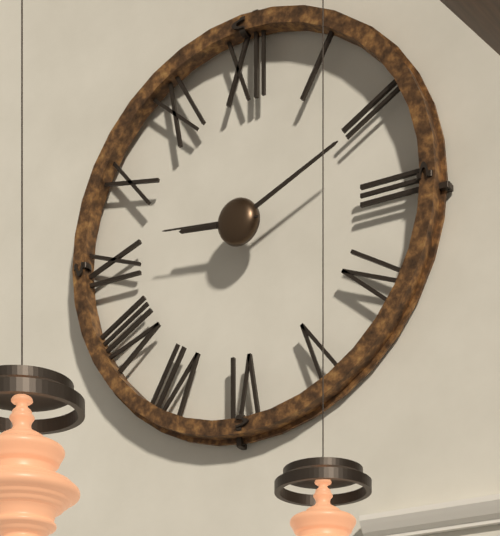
**9:11:46**
